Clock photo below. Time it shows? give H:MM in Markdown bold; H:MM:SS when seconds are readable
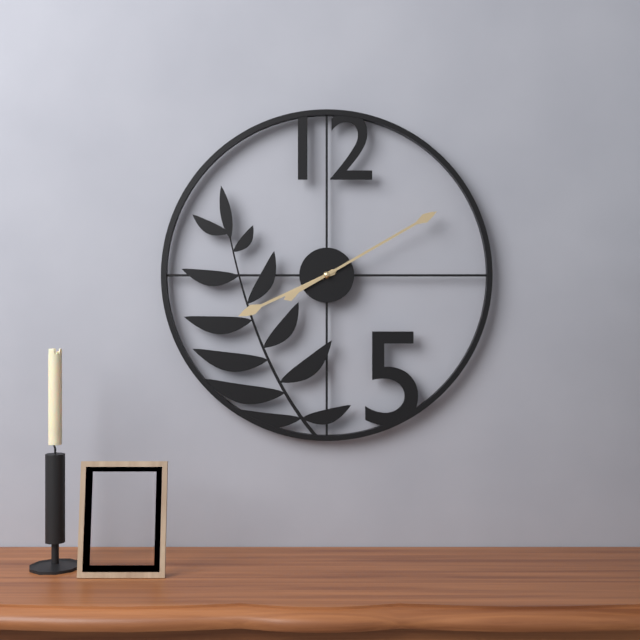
**8:10**
